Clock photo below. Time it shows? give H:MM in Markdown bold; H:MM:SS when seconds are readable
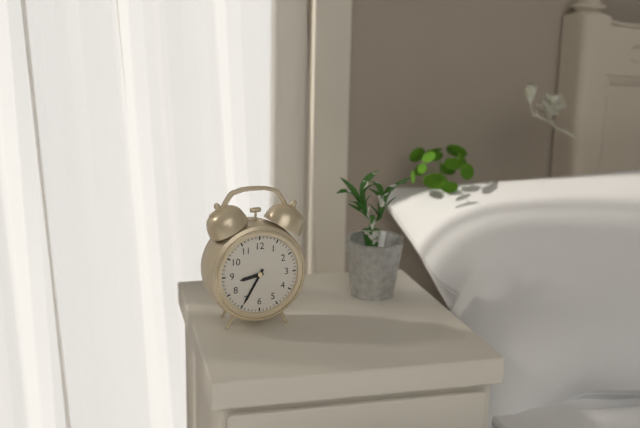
**8:35**
